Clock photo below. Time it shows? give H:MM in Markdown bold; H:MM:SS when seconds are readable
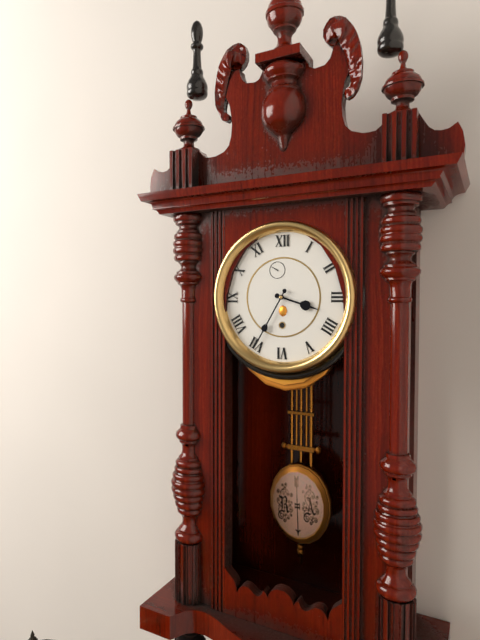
**3:35**
